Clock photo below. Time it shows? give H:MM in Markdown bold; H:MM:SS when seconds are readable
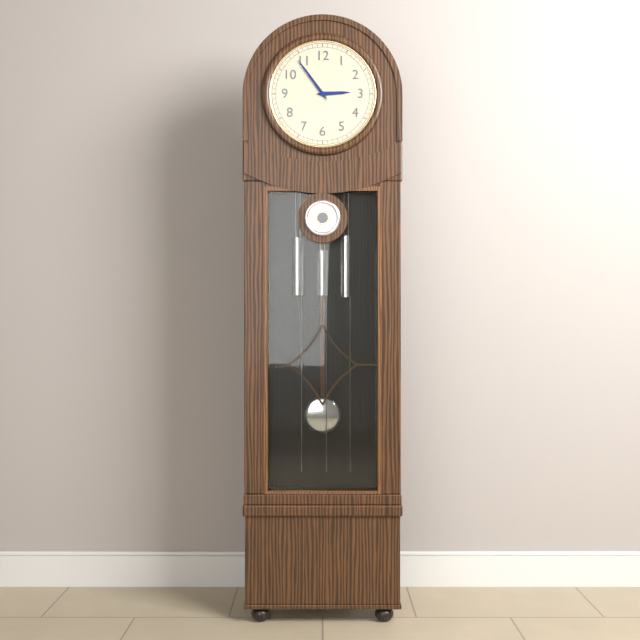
**2:54**
